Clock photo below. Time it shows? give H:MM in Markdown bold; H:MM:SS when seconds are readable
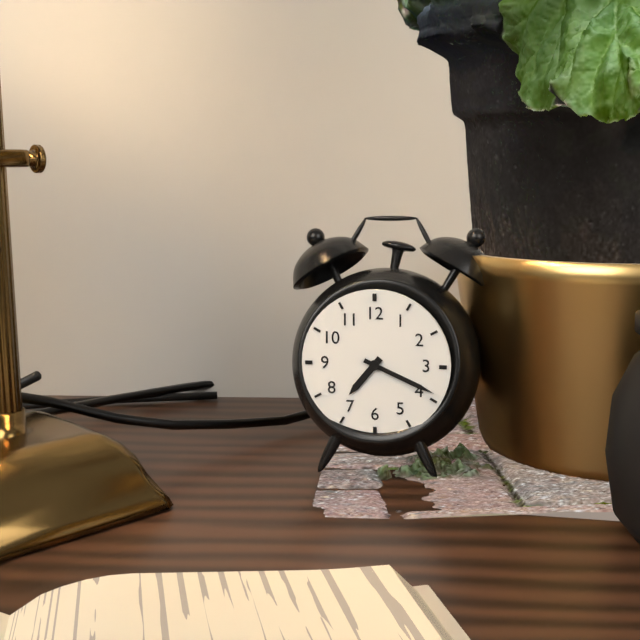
**7:19**
